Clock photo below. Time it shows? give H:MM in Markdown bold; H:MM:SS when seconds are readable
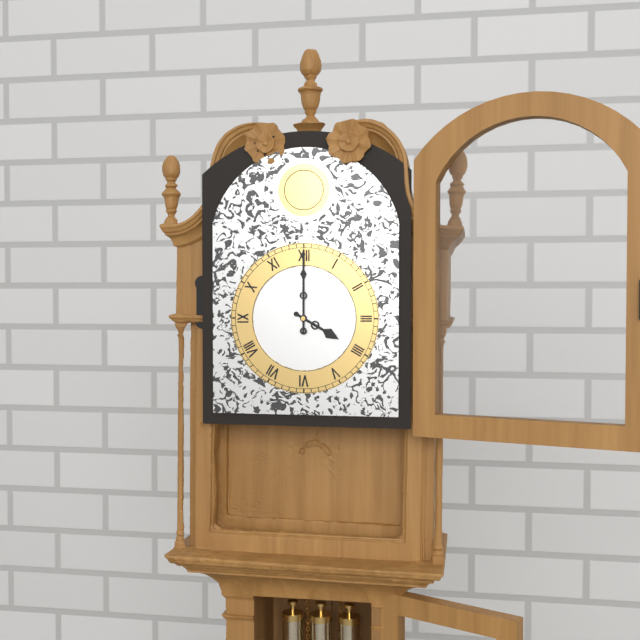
**4:00**
